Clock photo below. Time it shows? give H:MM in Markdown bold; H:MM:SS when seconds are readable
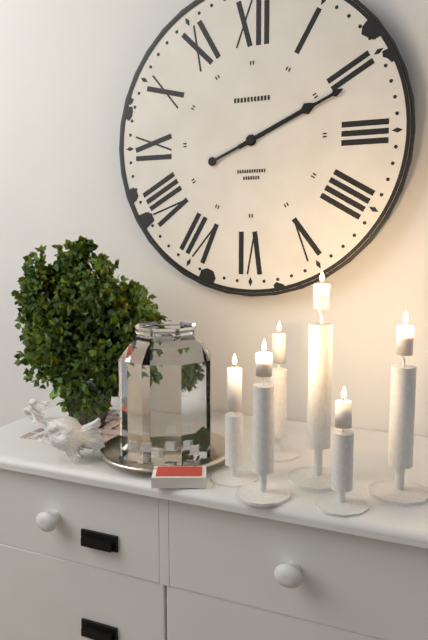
**2:11**
